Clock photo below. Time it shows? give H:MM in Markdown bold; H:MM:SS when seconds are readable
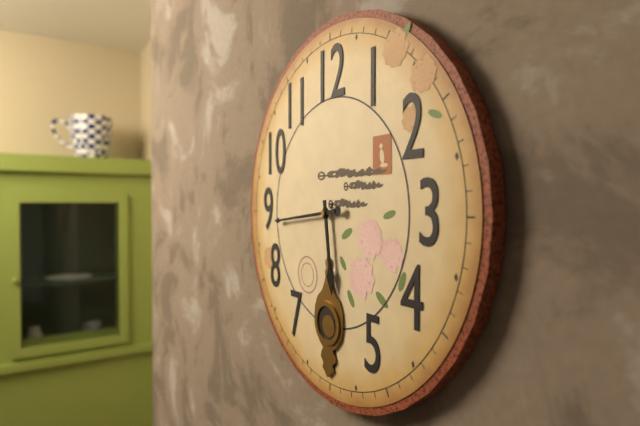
**5:44**
